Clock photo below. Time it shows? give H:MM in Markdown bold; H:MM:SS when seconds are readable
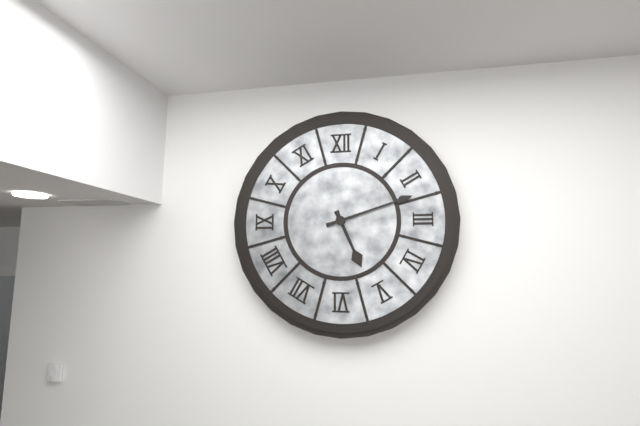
**5:12**
